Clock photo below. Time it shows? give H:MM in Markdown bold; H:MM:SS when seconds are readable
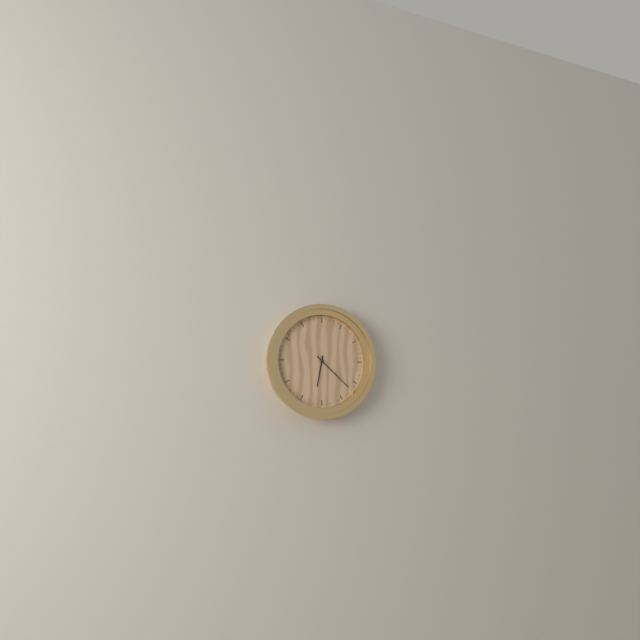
**6:22**
